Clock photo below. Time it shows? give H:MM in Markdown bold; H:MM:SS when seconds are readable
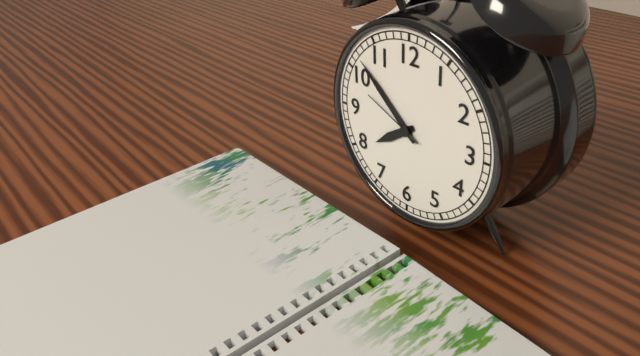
**7:52:49**
